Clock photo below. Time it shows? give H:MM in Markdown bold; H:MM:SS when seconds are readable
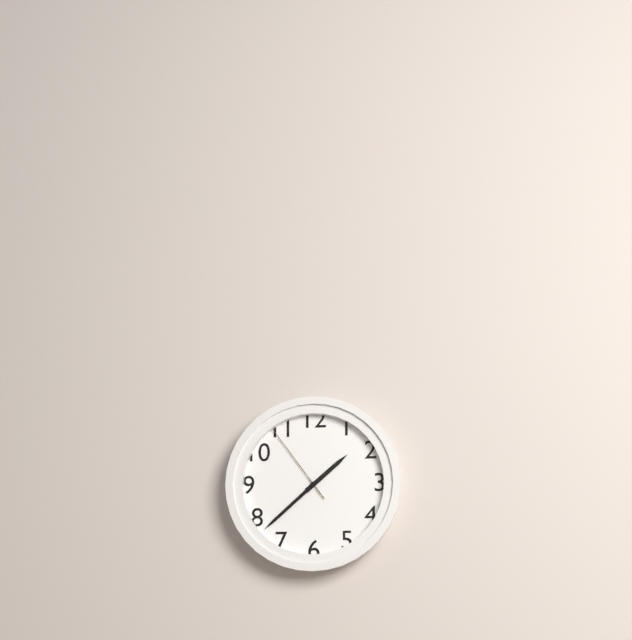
**1:38:54**
